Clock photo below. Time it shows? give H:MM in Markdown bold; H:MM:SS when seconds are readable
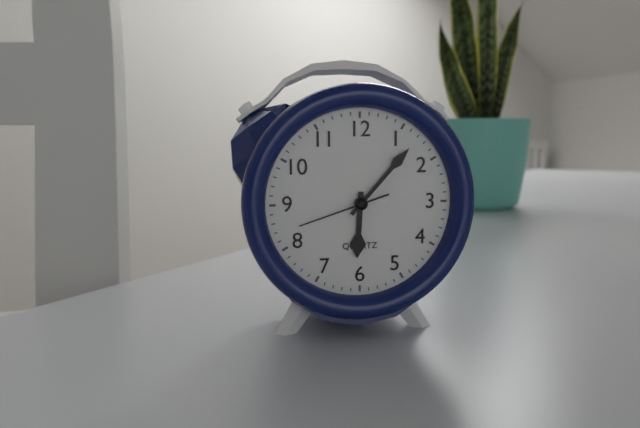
**6:07:42**
